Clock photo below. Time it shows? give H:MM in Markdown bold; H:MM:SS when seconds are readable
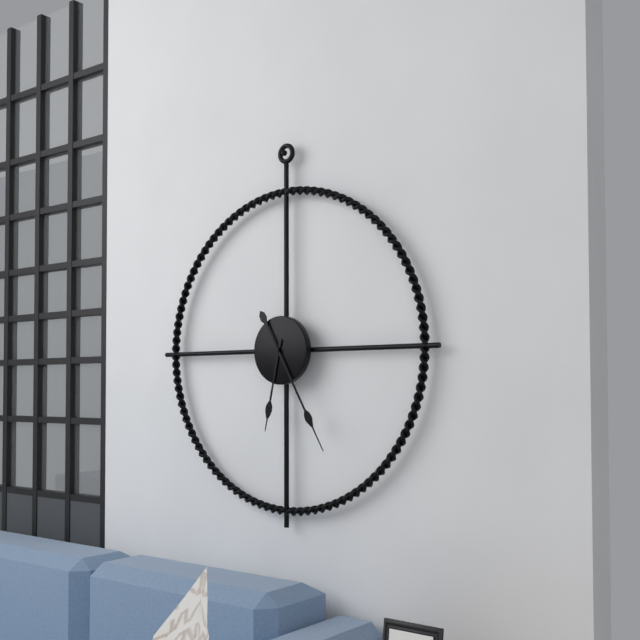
**6:25**
